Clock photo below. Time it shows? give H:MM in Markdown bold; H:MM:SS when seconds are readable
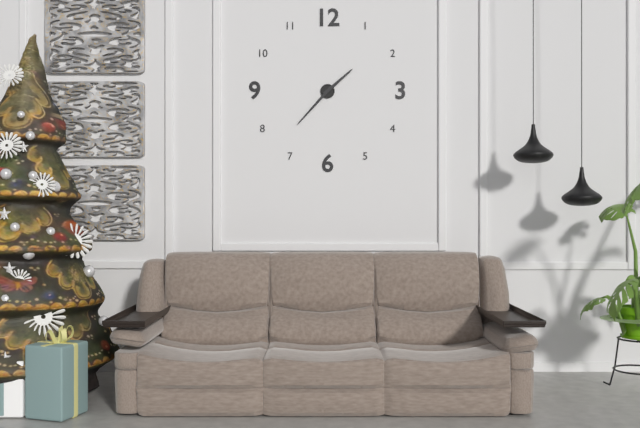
**1:37**
